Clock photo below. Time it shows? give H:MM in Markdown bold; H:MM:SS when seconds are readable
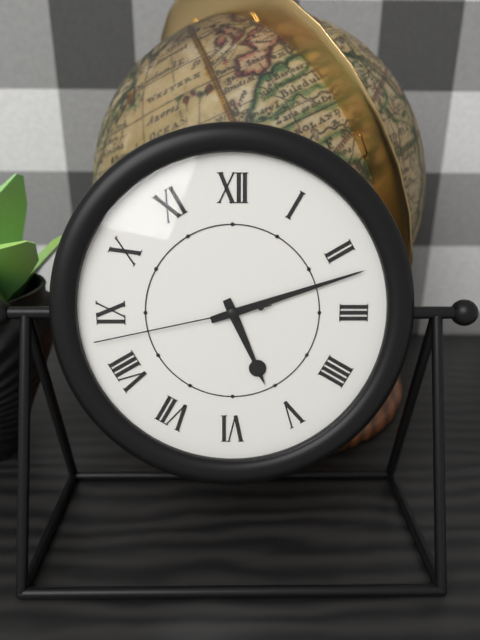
**5:12:43**
